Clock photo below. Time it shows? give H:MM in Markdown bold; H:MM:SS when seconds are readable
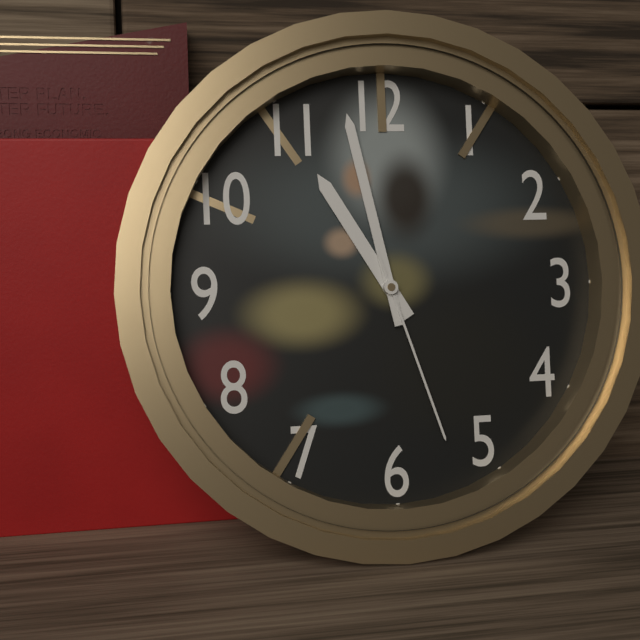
**10:58:27**
